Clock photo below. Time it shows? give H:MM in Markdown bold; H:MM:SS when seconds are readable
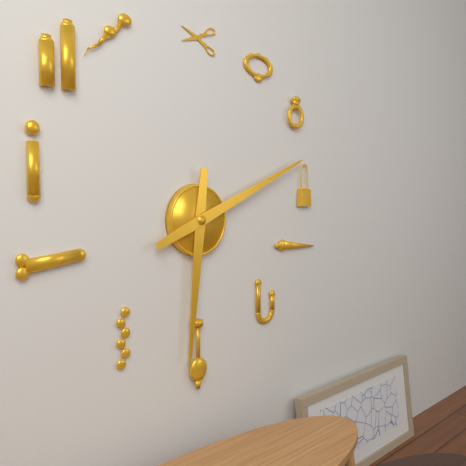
**6:11**
